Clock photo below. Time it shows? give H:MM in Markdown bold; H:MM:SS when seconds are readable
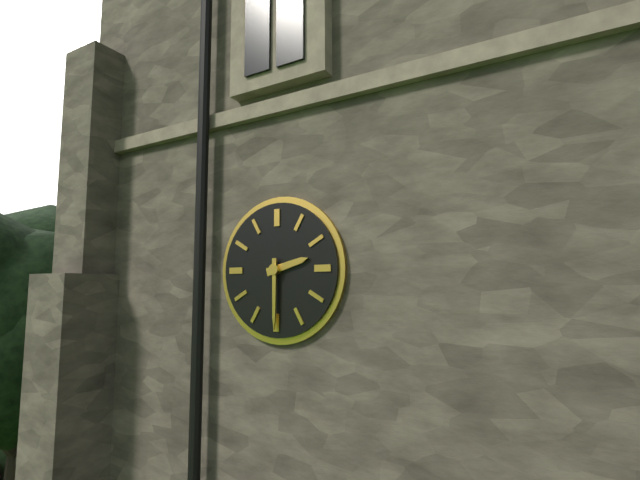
**2:30**
